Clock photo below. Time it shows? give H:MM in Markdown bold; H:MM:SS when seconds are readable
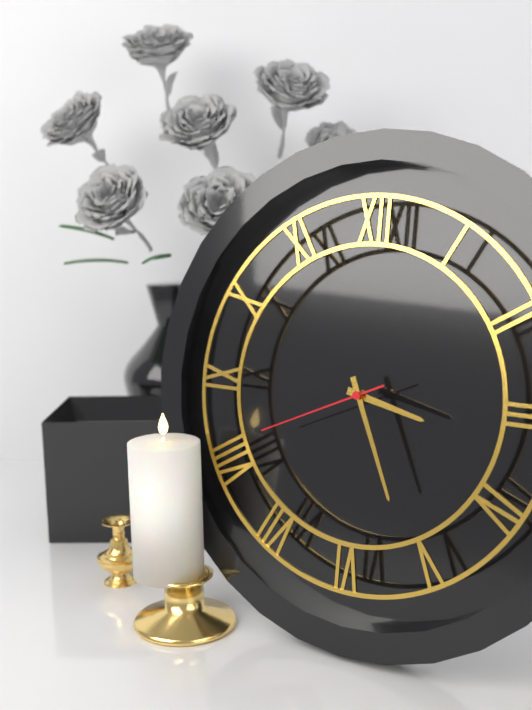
**3:26:41**
